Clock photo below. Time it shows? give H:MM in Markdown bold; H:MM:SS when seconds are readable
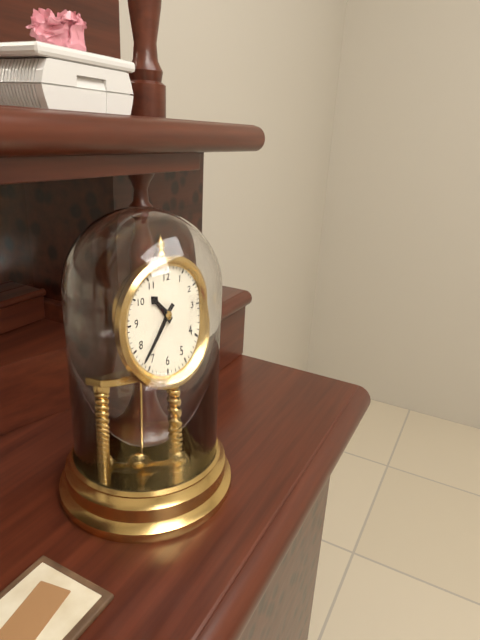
**10:37**
